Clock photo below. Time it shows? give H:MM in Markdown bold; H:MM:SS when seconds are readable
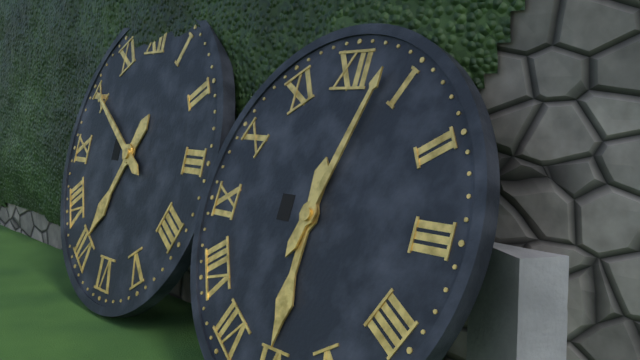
**6:03**
